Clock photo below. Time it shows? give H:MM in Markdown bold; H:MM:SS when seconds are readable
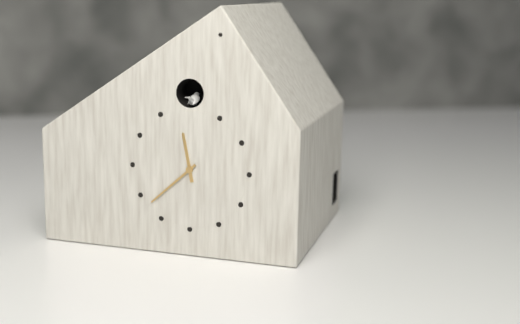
**11:38**
